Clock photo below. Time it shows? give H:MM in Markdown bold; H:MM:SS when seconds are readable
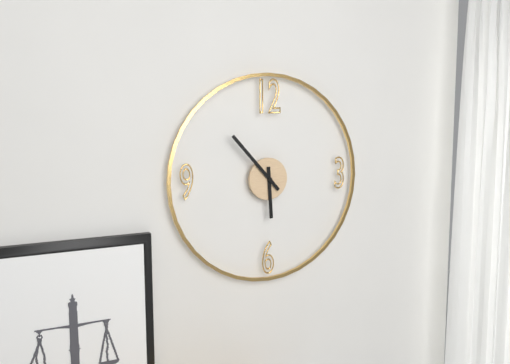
**5:53**
